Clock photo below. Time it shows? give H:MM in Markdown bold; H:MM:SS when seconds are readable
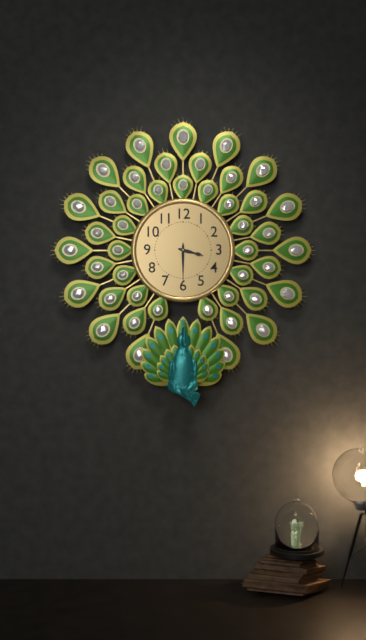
**3:30**
